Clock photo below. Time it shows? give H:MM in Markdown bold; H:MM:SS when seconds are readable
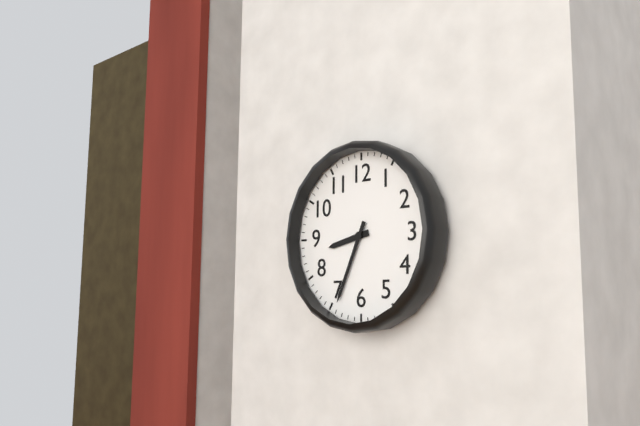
**8:34**
